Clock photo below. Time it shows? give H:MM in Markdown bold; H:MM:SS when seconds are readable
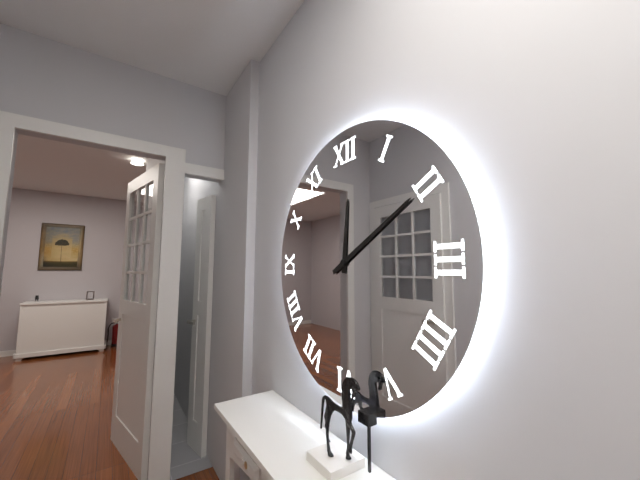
**12:10**
